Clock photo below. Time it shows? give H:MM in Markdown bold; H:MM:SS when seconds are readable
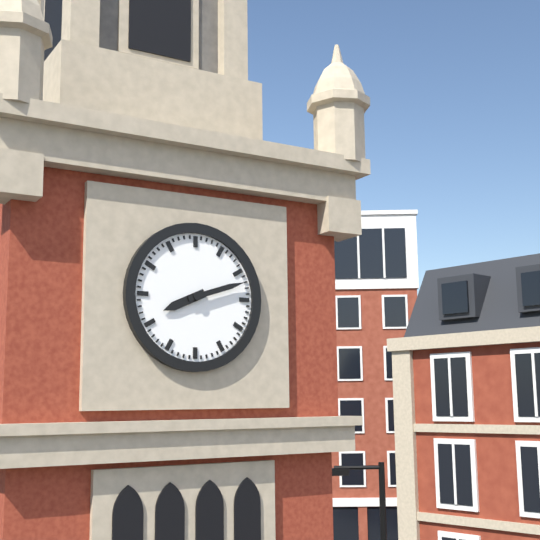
**8:12**
